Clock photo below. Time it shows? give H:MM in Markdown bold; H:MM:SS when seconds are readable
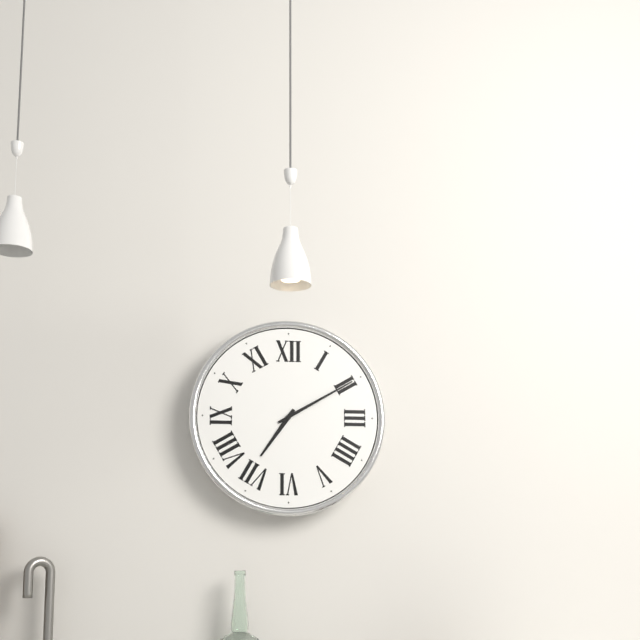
**7:10**
